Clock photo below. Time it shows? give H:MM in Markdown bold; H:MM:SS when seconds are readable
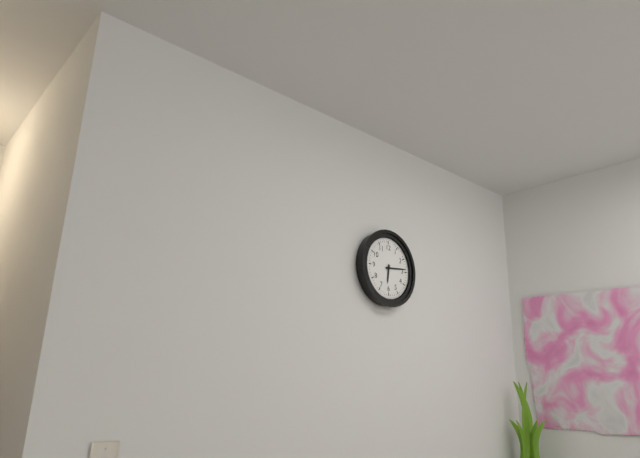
**6:14**
